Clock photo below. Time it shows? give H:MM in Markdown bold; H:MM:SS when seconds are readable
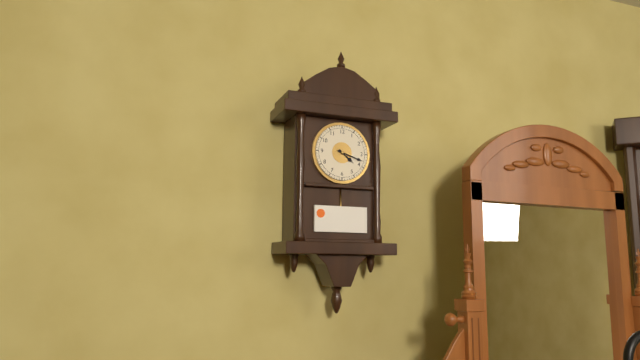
**4:18**
